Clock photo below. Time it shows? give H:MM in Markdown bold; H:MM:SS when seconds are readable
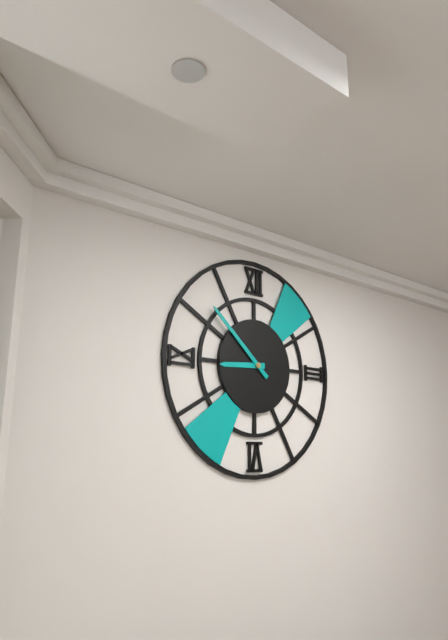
**8:52**
